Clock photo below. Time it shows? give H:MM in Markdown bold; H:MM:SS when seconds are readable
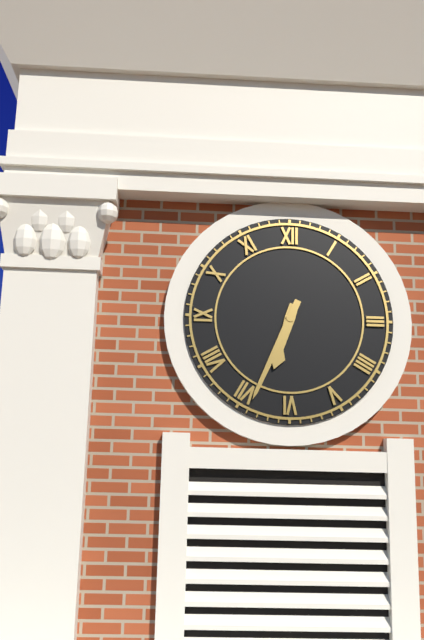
**6:34**
